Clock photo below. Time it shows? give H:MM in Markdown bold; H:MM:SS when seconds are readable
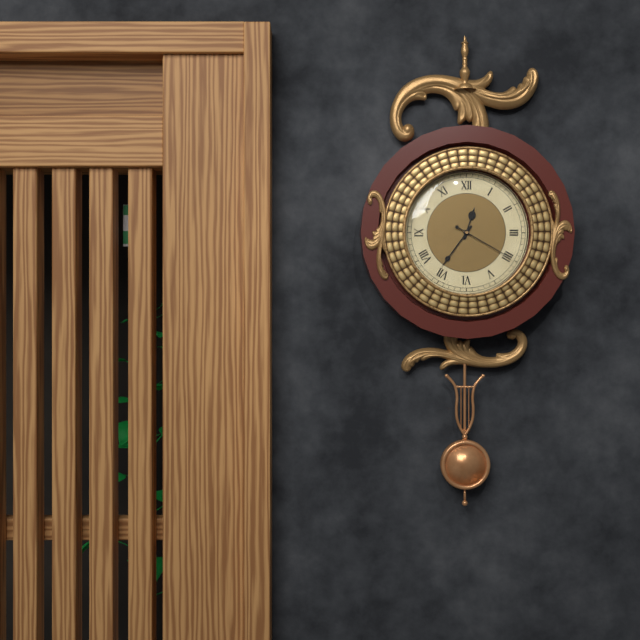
**12:36:20**
